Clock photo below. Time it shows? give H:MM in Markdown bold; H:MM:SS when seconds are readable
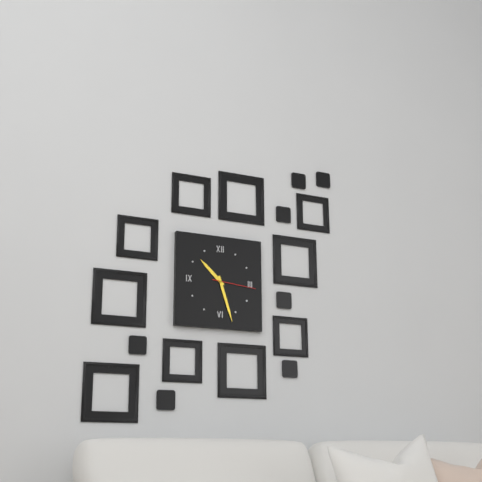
**10:27**
